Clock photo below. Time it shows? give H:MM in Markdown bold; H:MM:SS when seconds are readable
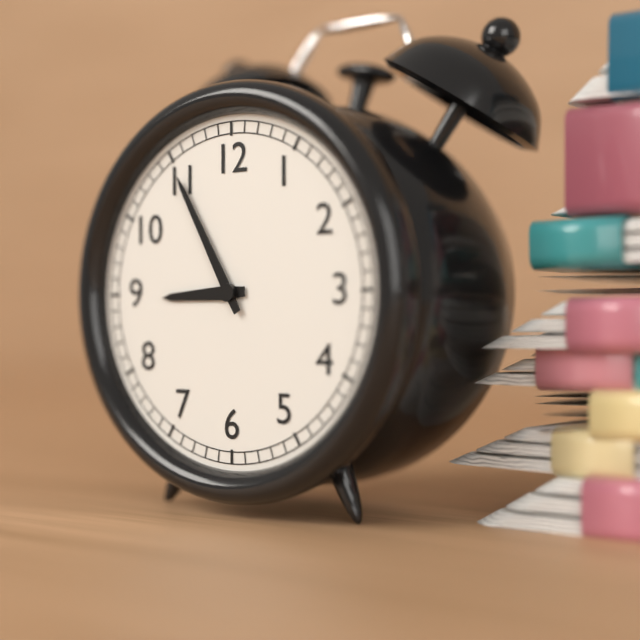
**8:55**
